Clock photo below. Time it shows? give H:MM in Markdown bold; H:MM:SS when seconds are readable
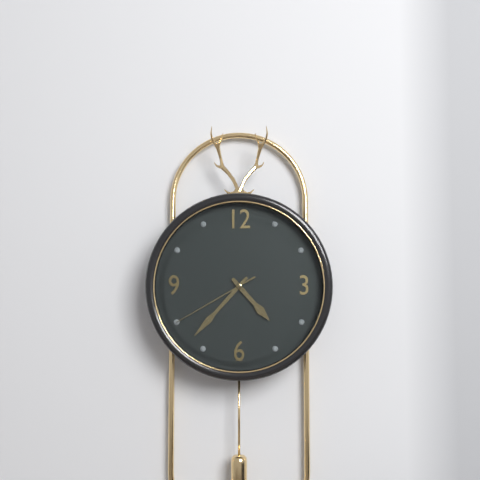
**4:37:40**
